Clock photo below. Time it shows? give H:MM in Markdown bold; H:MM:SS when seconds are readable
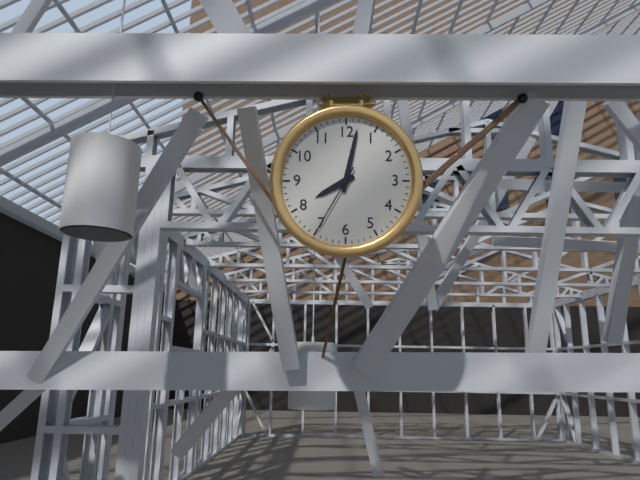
**8:02:35**
